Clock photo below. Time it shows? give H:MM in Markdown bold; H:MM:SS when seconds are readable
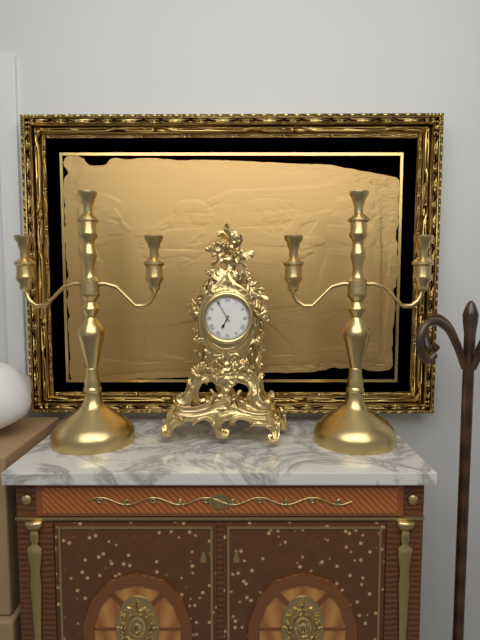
**6:55**
